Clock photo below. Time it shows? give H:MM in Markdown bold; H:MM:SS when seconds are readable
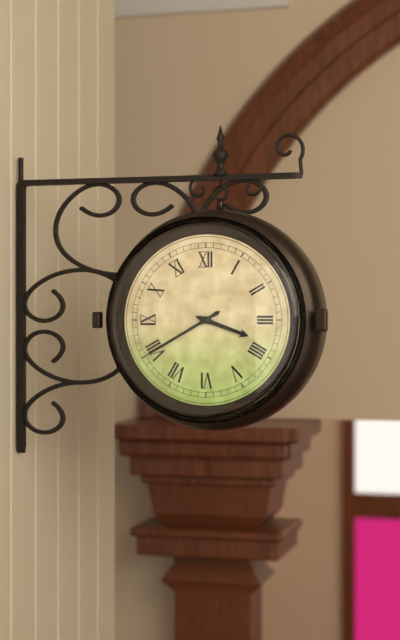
**3:40**
